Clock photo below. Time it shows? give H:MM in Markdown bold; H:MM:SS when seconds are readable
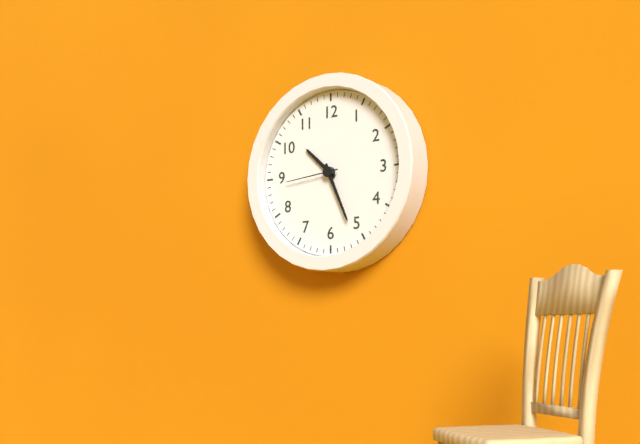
**10:26:44**
